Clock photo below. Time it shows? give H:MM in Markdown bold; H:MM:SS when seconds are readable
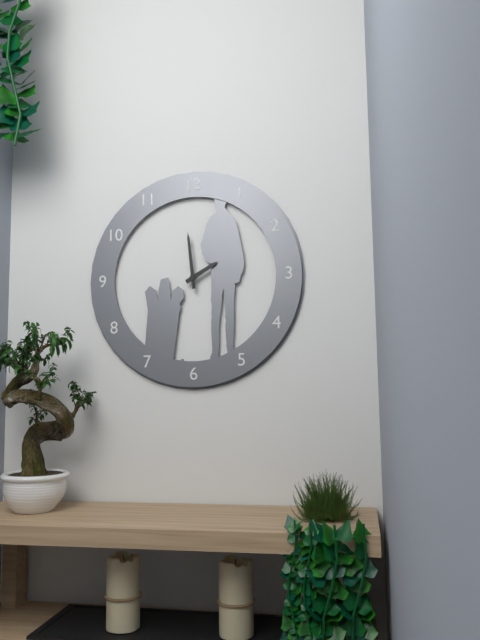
**1:59**
